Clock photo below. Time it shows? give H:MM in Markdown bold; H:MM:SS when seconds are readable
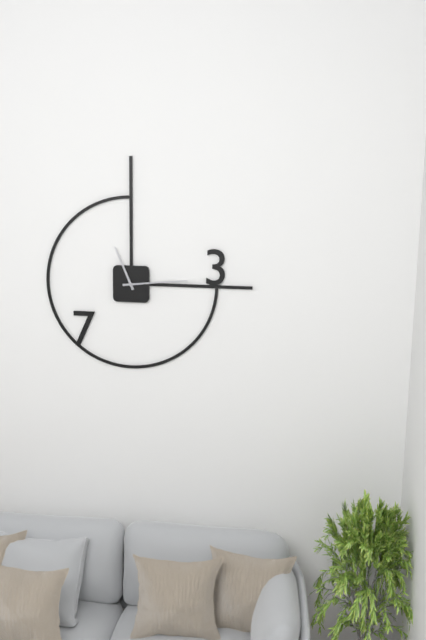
**11:14**
